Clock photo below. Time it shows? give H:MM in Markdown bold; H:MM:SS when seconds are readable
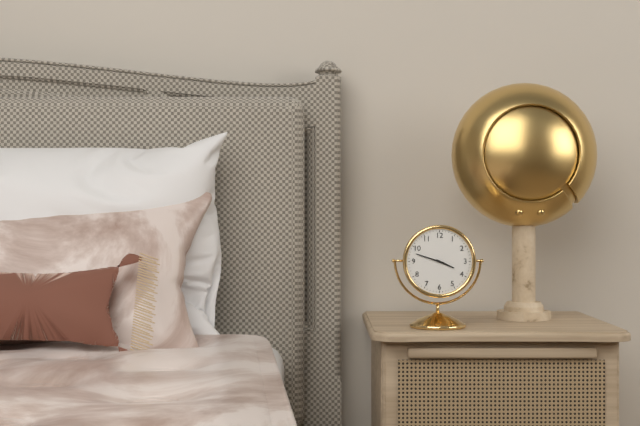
**3:48**
